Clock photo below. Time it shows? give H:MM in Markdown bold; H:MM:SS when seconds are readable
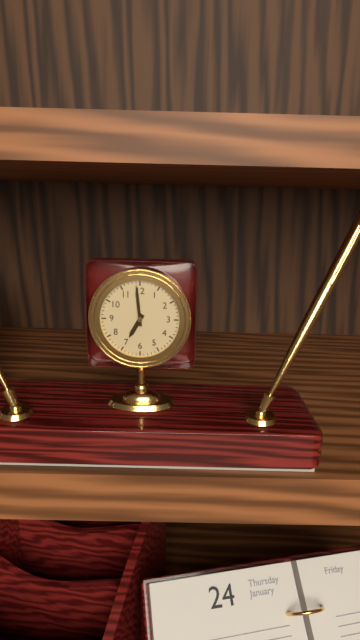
**6:59**
